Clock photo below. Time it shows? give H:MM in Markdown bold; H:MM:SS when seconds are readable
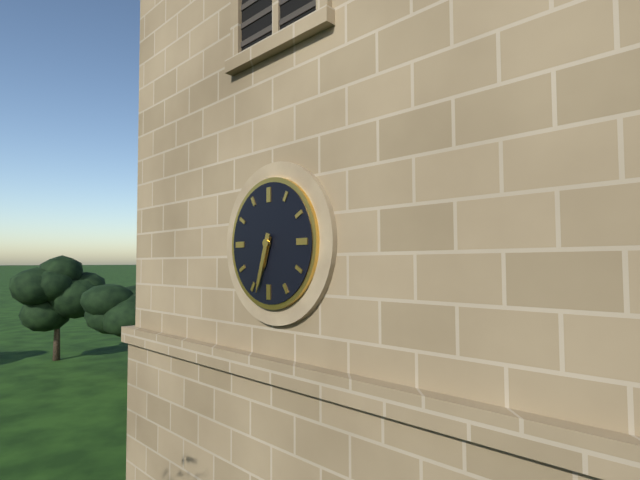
**6:33**
